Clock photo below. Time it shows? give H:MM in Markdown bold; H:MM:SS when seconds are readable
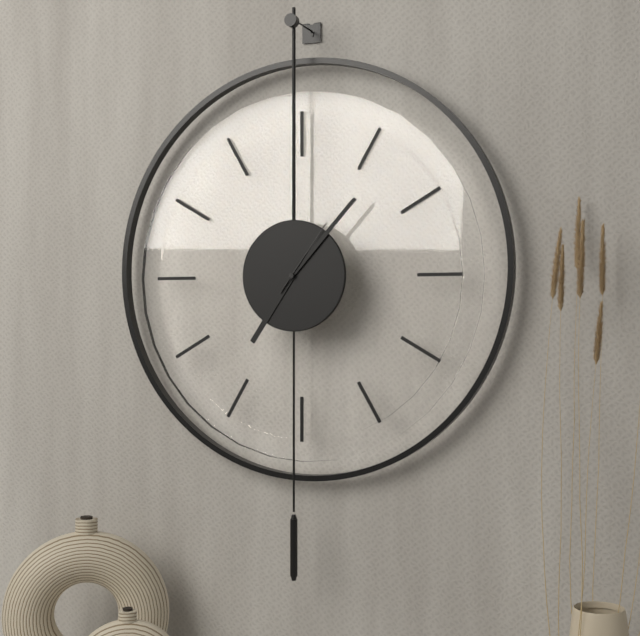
**7:07:06**
